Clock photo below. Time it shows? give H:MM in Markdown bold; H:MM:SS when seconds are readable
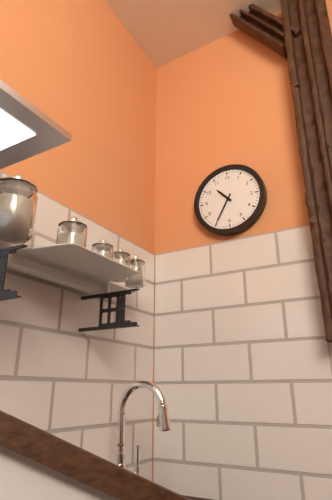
**10:35**
